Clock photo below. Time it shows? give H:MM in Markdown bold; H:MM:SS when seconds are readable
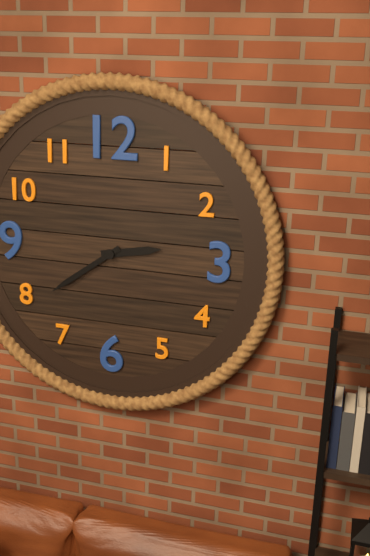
**2:39**
